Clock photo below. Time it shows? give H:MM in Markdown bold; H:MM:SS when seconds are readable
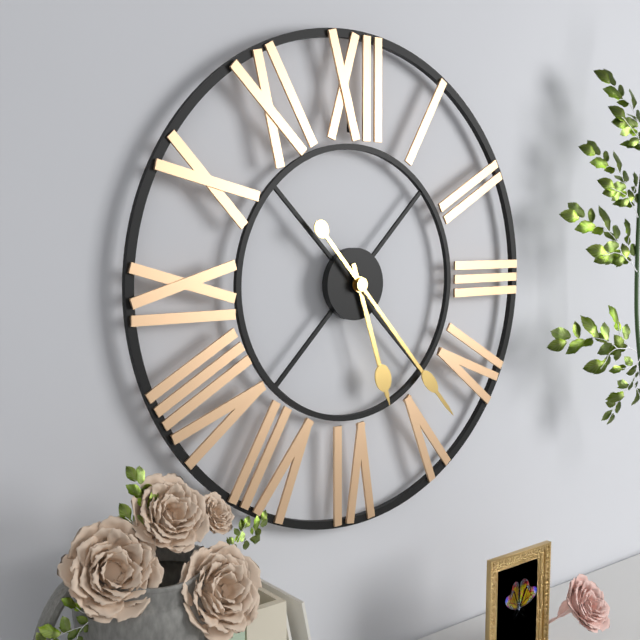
**5:23**
